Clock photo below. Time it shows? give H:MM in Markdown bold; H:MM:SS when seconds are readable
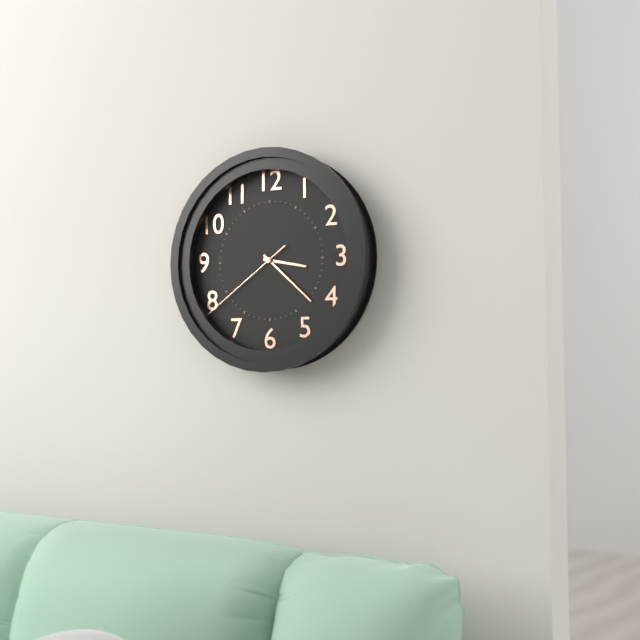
**3:22:39**
